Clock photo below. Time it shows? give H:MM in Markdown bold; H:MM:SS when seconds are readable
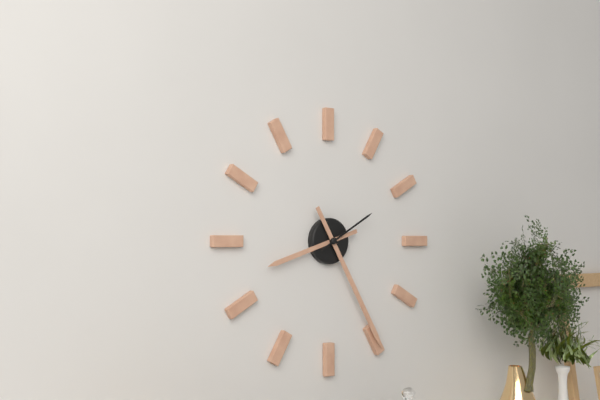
**8:25:10**
